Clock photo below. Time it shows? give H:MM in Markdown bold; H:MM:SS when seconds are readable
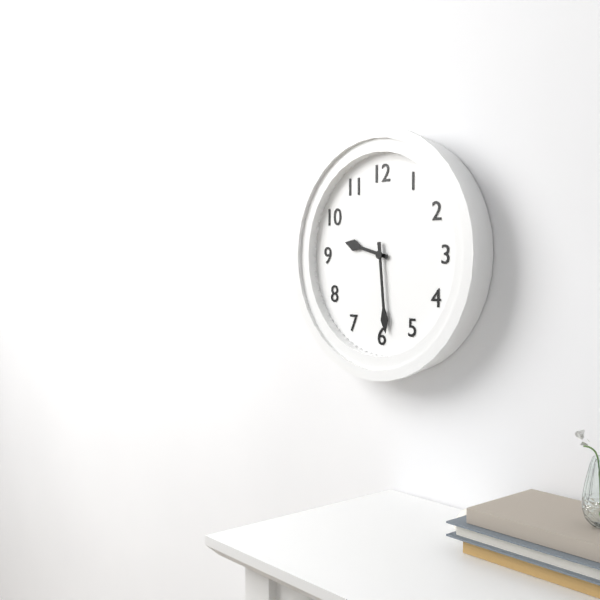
**9:29**
